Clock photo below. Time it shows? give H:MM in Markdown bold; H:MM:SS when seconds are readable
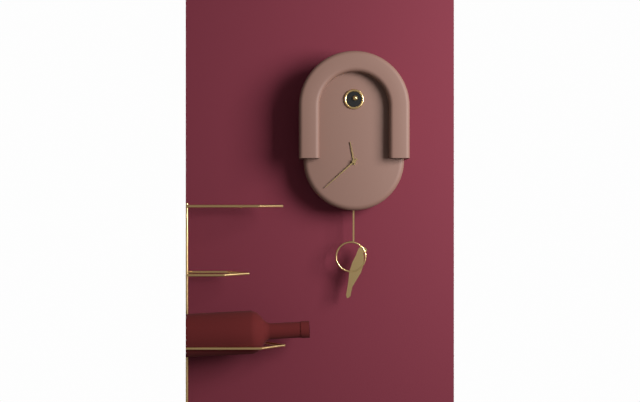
**11:38**
